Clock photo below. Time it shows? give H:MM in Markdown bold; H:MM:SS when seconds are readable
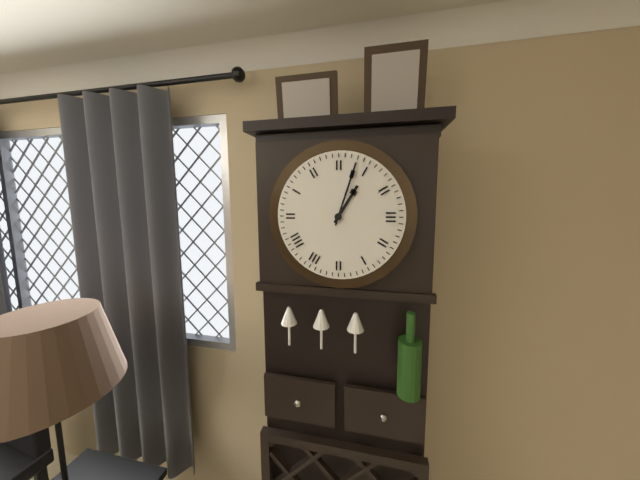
**1:03**
